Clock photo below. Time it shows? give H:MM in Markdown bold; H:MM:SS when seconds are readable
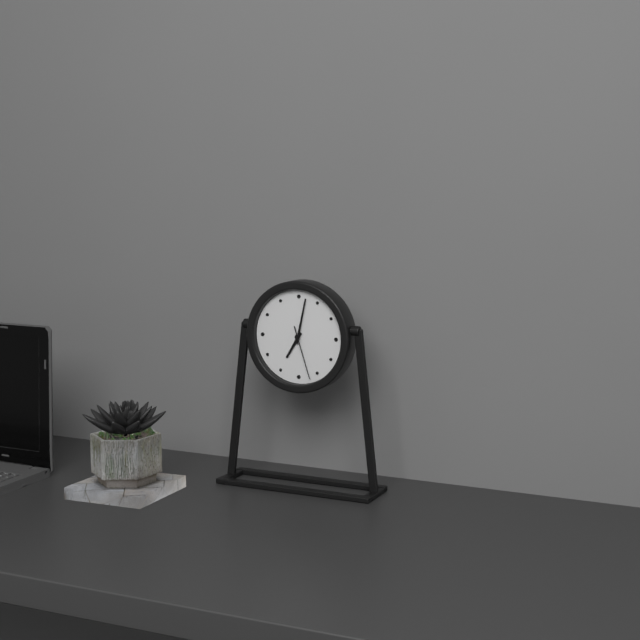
**7:02:27**
